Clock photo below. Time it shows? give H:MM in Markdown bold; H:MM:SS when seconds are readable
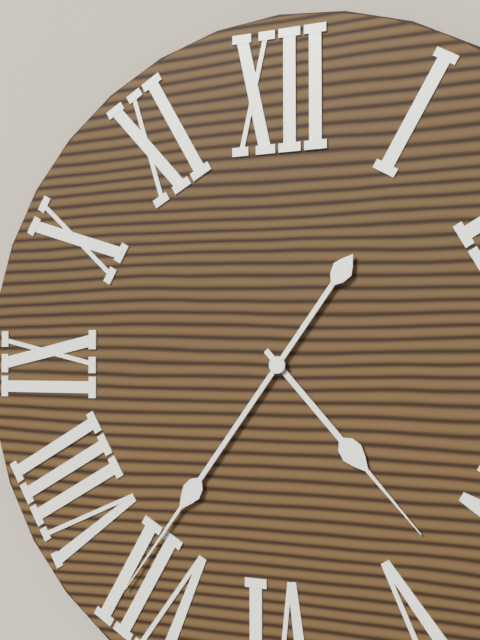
**4:36**
